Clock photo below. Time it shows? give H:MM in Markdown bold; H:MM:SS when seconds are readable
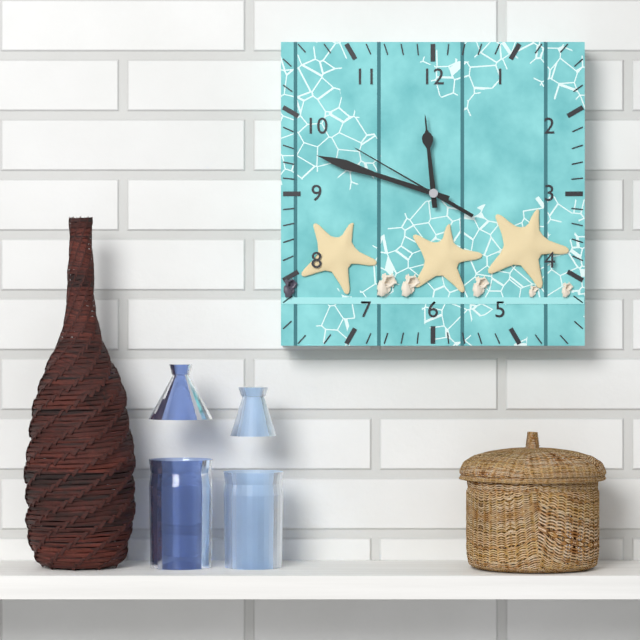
**11:48:50**
